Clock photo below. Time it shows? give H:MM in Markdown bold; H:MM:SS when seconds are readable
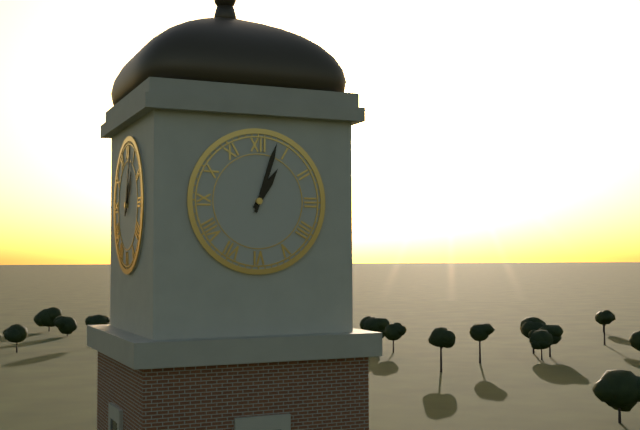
**1:03**
